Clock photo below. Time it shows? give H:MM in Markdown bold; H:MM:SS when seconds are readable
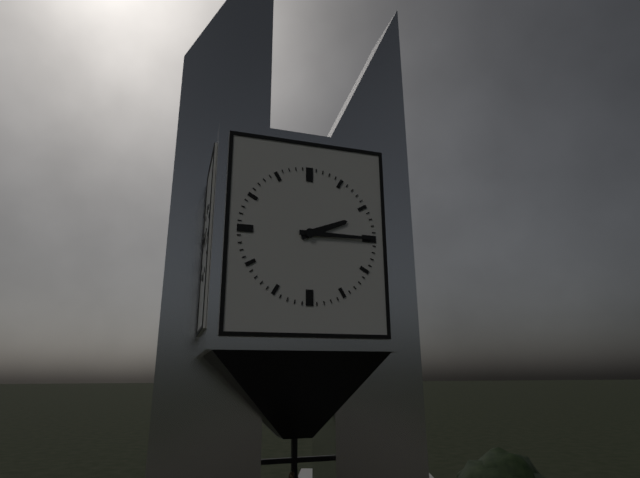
**2:15**
